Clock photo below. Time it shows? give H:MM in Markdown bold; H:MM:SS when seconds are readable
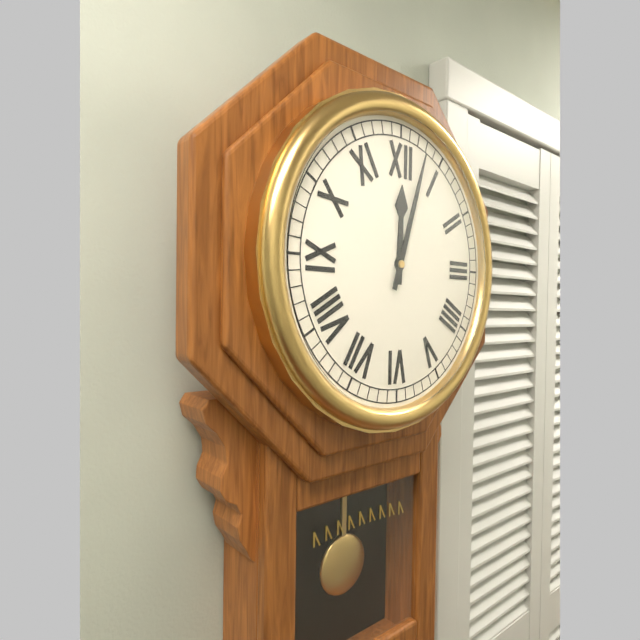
**12:03**
